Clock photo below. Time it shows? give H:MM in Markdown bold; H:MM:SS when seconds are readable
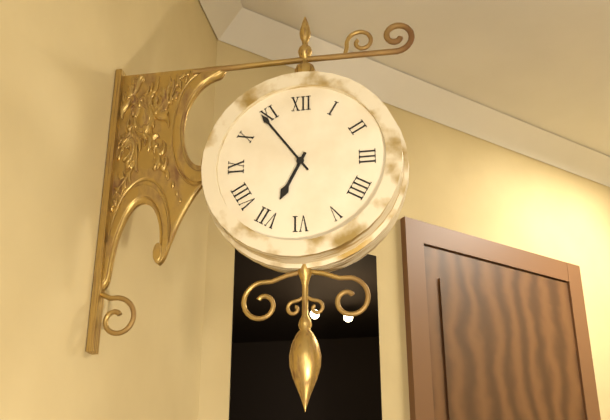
**6:54**
